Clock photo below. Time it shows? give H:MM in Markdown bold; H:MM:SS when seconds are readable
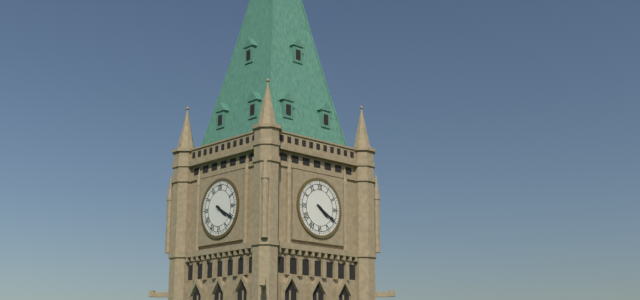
**4:20**
